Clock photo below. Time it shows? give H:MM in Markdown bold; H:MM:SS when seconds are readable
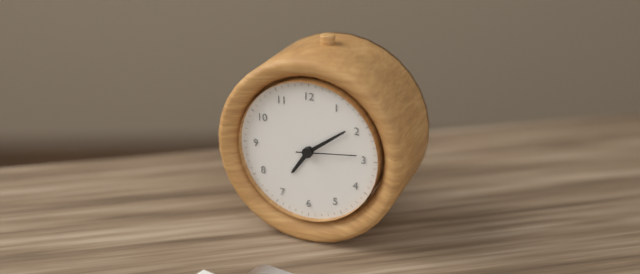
**7:09:14**
